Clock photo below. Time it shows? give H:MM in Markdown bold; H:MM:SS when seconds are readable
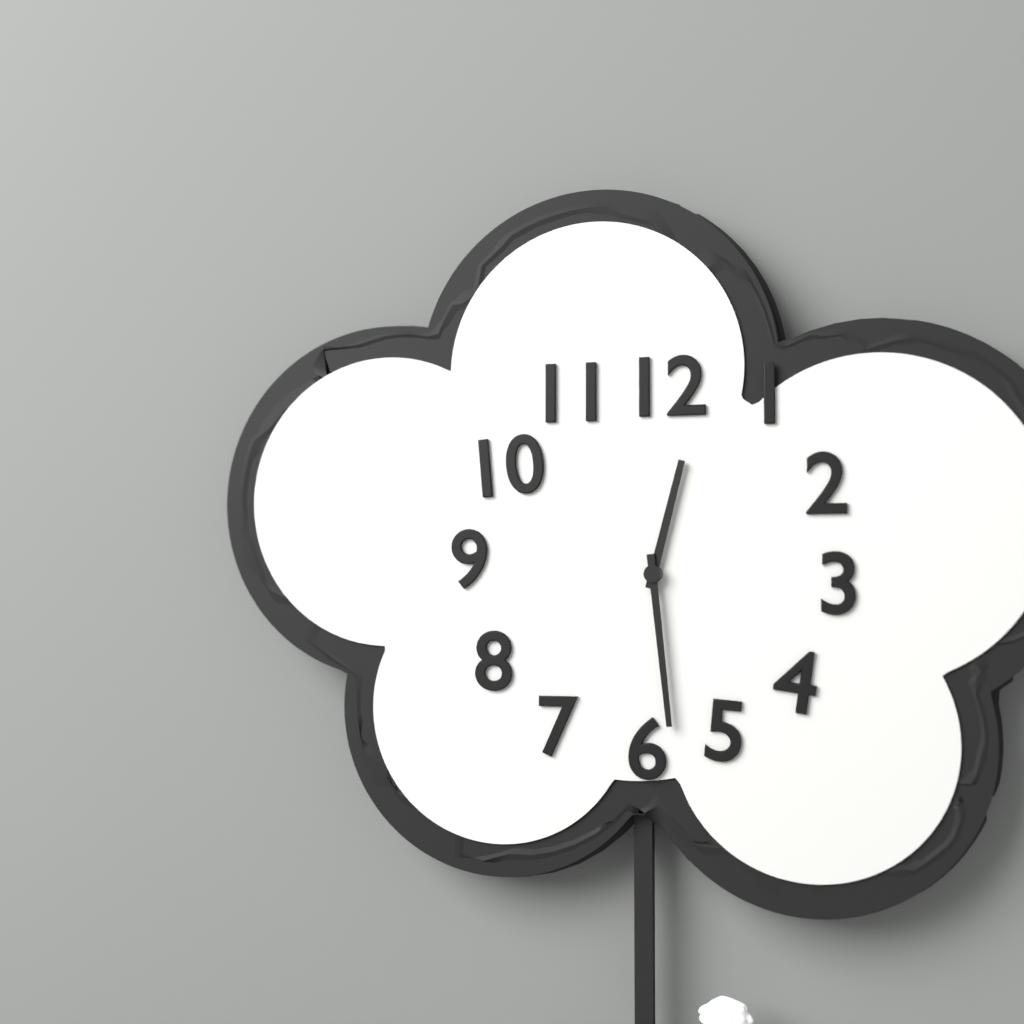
**12:29**
